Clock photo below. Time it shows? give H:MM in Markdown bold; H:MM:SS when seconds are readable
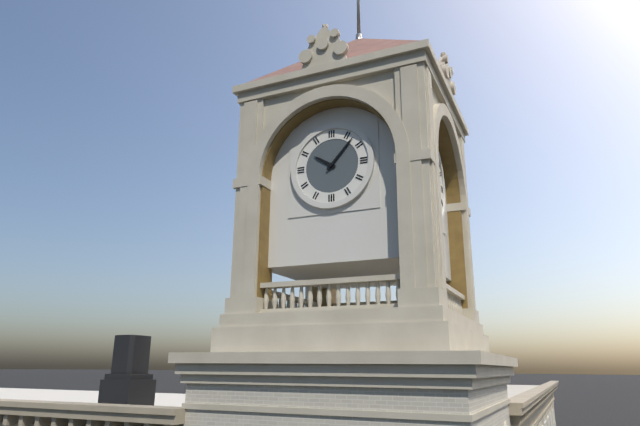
**10:07**
